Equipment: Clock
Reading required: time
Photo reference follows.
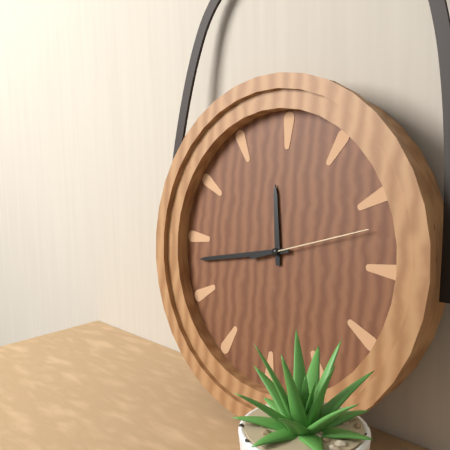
11:43:12
